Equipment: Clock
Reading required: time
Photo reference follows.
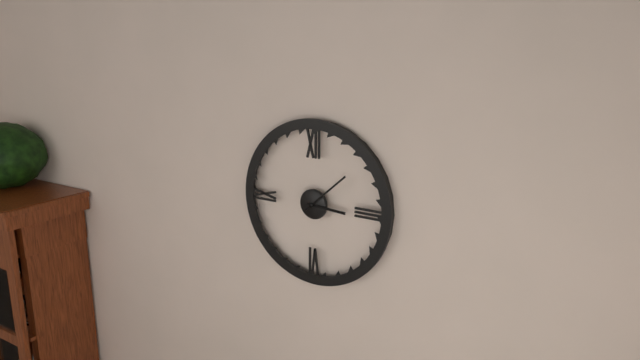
3:08
